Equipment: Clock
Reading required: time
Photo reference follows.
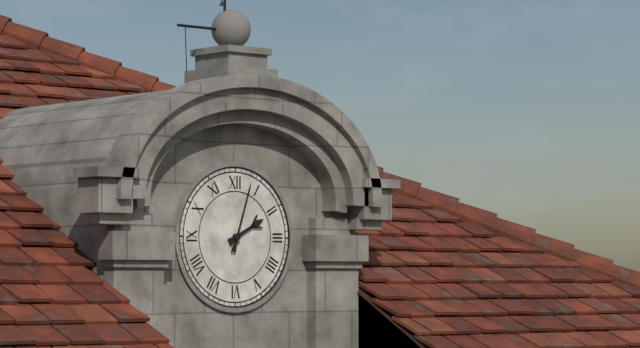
2:03
